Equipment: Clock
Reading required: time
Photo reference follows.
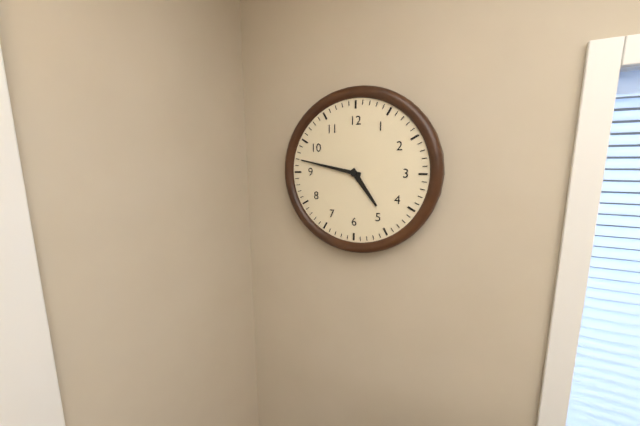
4:47
